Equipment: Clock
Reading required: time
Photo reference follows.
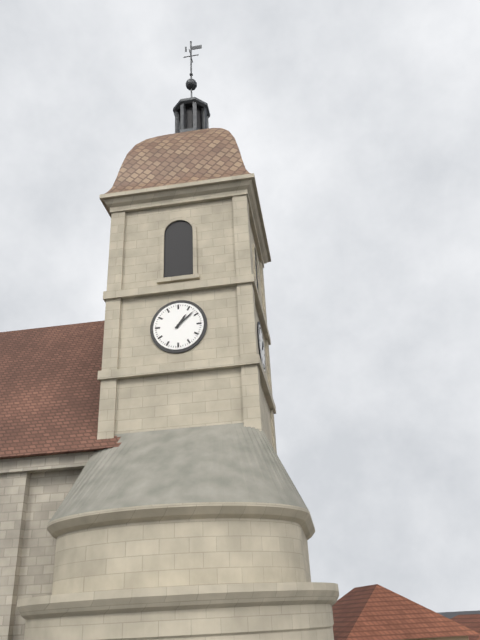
1:08
